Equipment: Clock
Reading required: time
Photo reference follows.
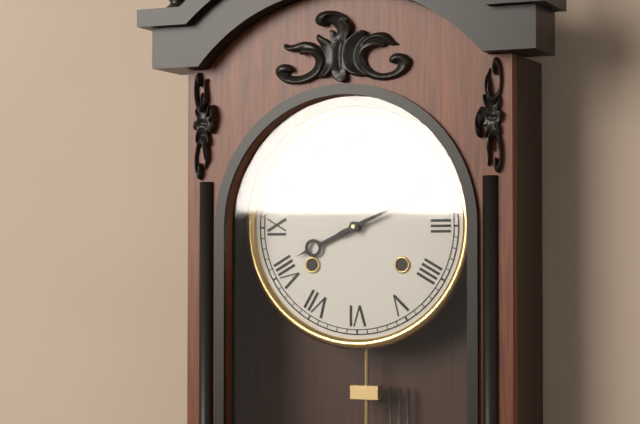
8:11
